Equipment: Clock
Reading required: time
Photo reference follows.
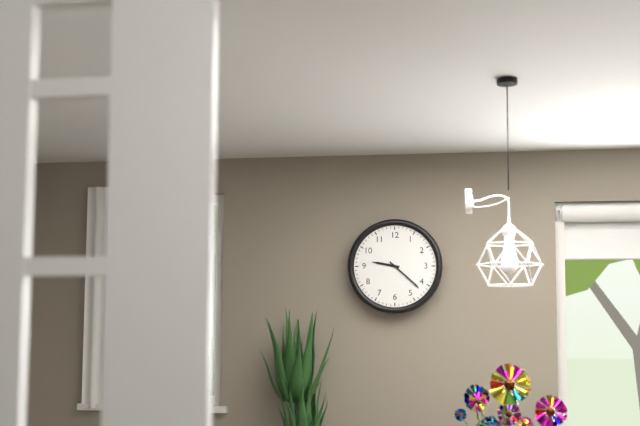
9:22
